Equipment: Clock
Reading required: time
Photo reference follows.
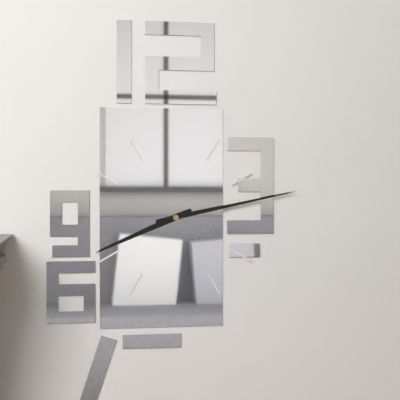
8:13
